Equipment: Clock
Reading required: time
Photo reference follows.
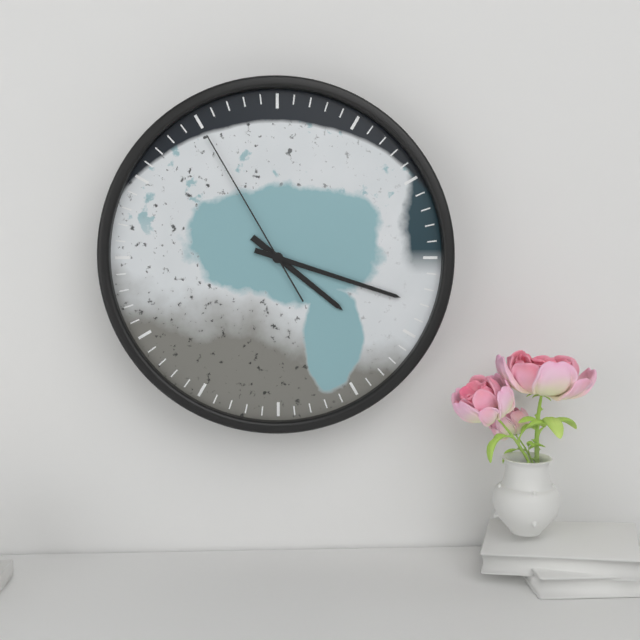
4:18:55
